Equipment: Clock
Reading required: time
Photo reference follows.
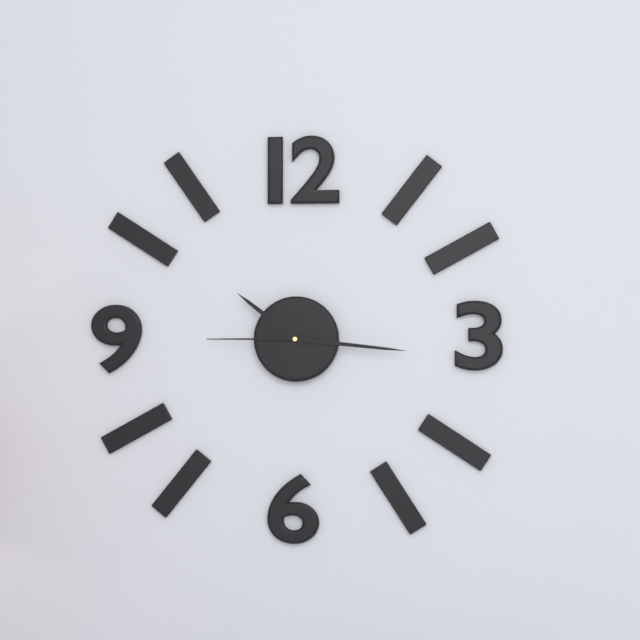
10:16:45
